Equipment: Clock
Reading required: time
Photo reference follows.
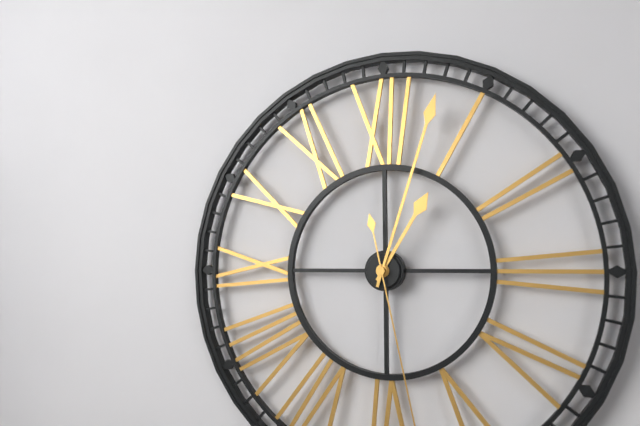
1:03
